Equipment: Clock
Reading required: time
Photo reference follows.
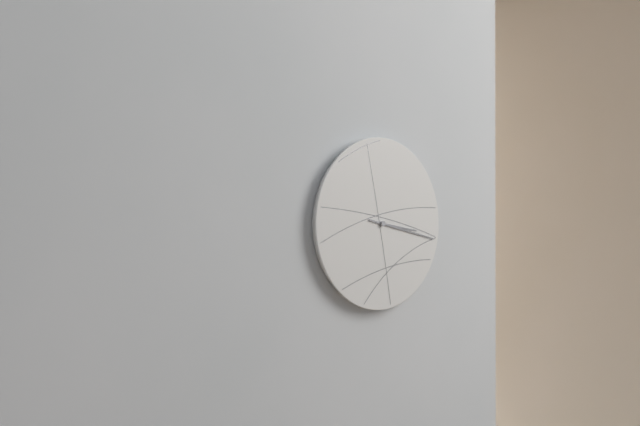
3:17
